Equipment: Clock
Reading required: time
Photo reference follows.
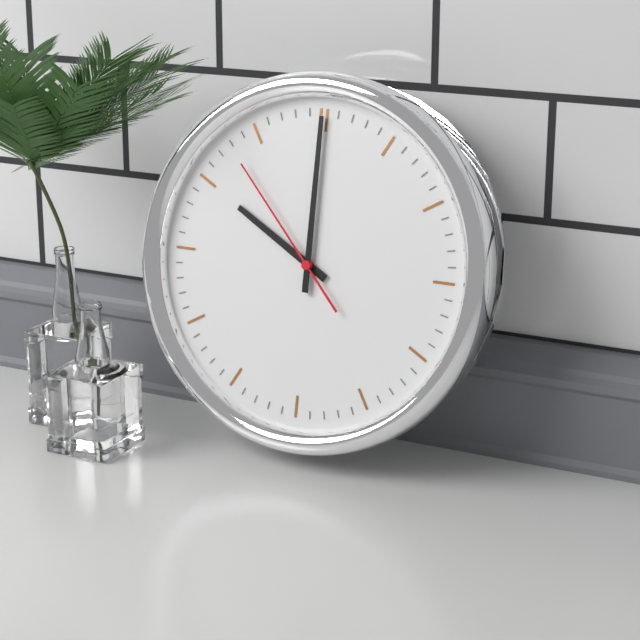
10:00:53
